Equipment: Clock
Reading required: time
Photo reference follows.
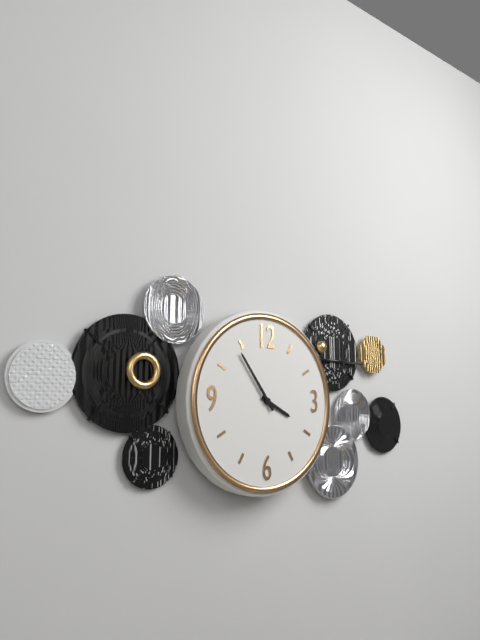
3:54
